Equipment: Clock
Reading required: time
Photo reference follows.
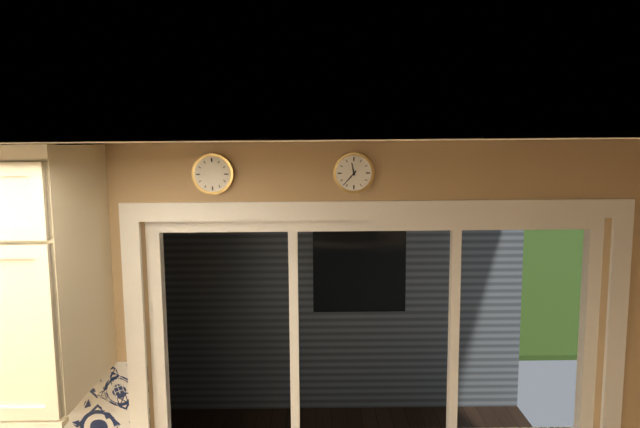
11:37
